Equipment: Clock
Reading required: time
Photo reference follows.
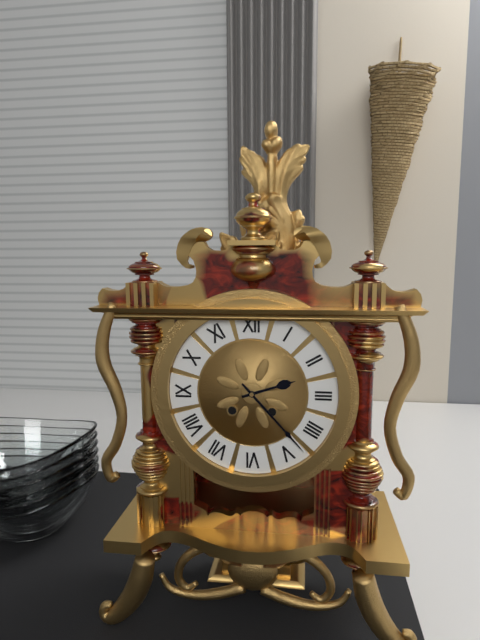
2:23
